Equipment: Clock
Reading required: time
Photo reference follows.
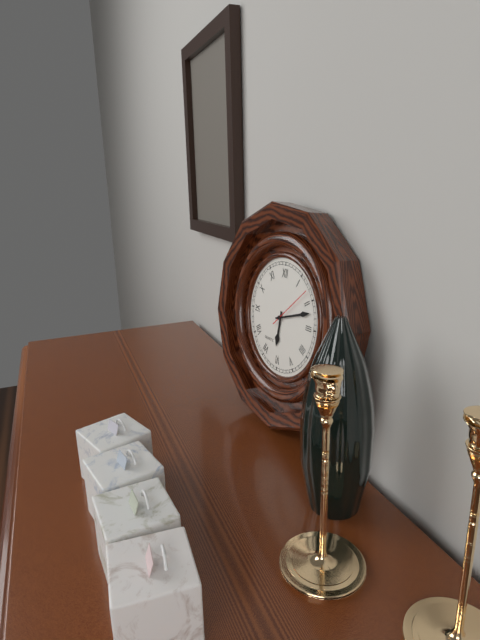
6:12
